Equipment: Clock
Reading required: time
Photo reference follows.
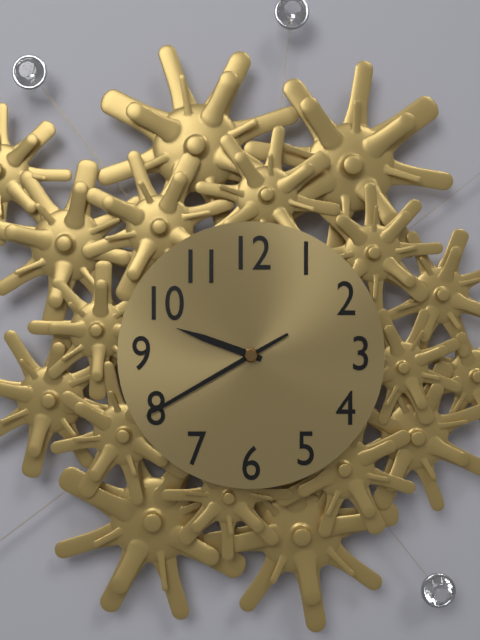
9:40
